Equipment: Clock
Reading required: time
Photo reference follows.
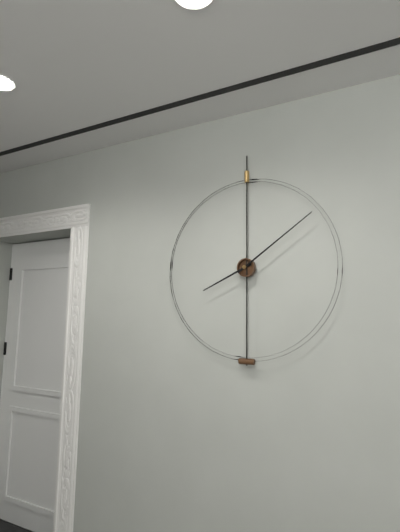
8:09
